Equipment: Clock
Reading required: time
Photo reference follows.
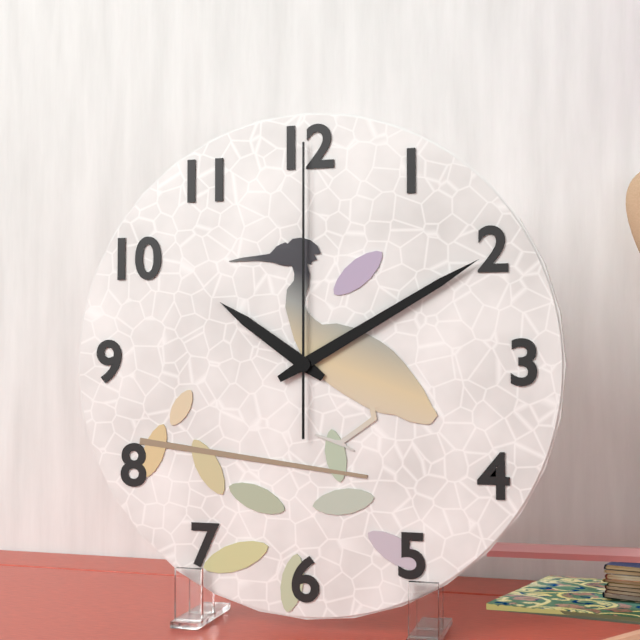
10:10:00
